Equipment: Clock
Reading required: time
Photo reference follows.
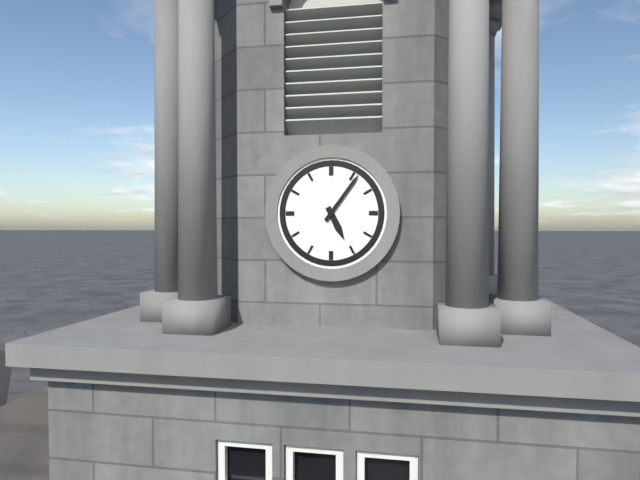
5:06
